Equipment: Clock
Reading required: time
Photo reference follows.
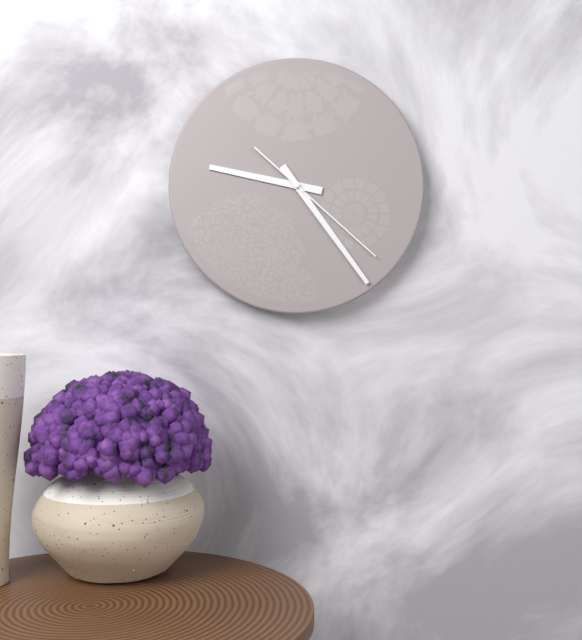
9:24:22
